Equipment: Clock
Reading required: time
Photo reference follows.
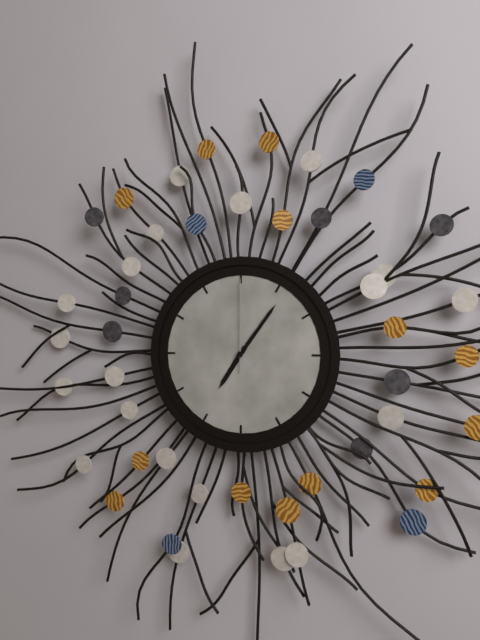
7:06:00
